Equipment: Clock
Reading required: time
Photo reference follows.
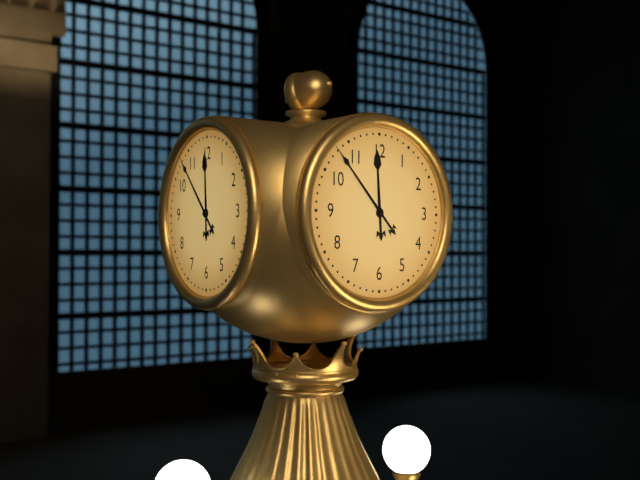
11:53
